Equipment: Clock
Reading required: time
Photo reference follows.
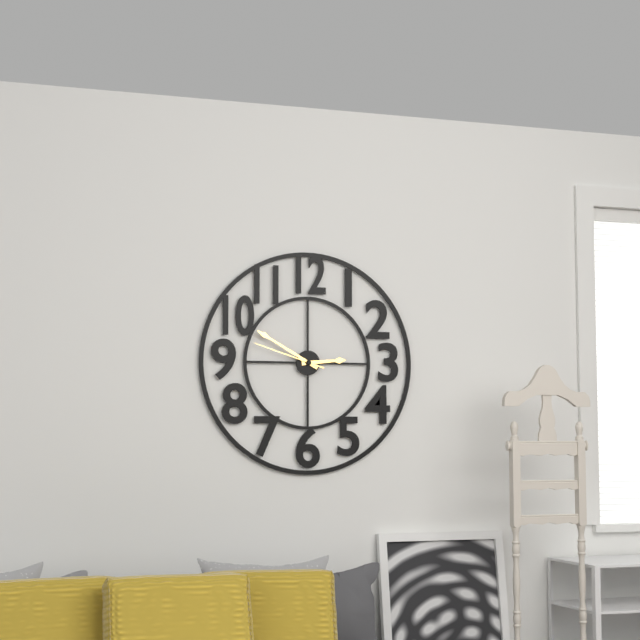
2:50:48
